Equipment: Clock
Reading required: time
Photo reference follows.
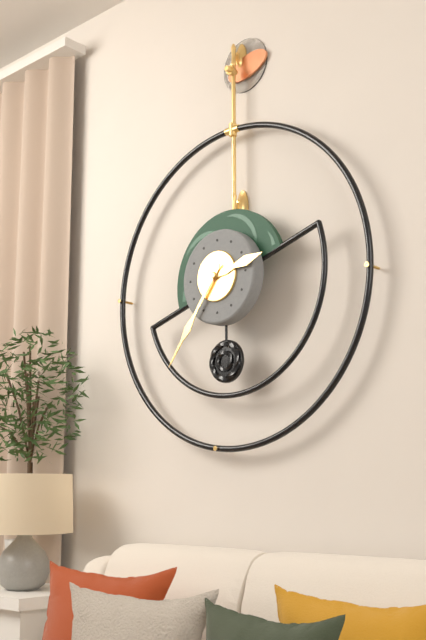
2:36
